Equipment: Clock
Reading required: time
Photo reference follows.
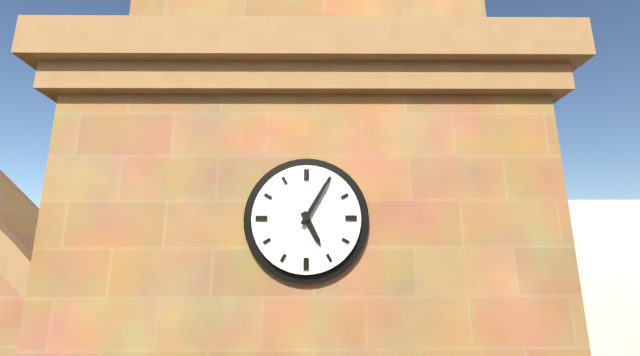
5:05
